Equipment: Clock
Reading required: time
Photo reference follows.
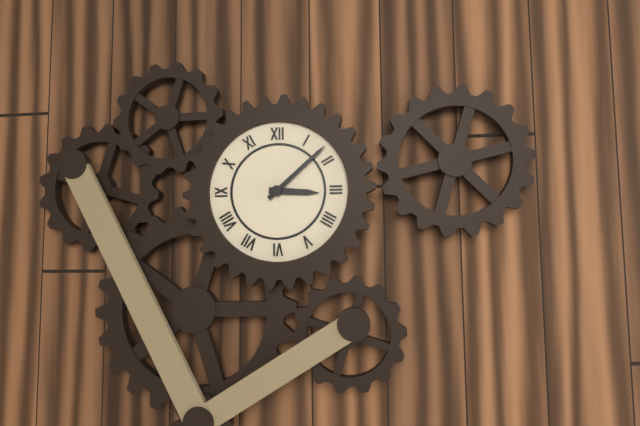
3:08
